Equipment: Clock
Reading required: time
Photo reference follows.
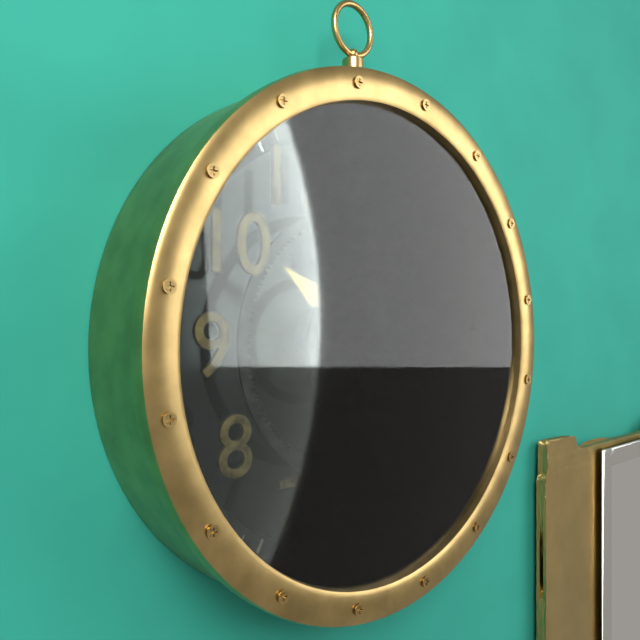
10:08
